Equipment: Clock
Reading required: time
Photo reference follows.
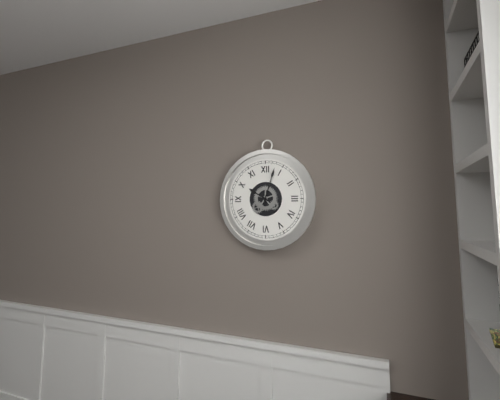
10:03
